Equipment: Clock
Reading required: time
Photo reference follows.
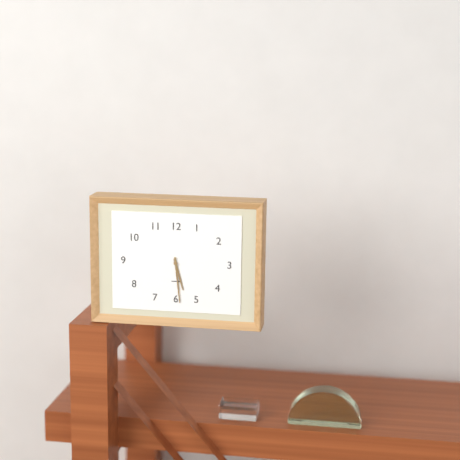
5:29
